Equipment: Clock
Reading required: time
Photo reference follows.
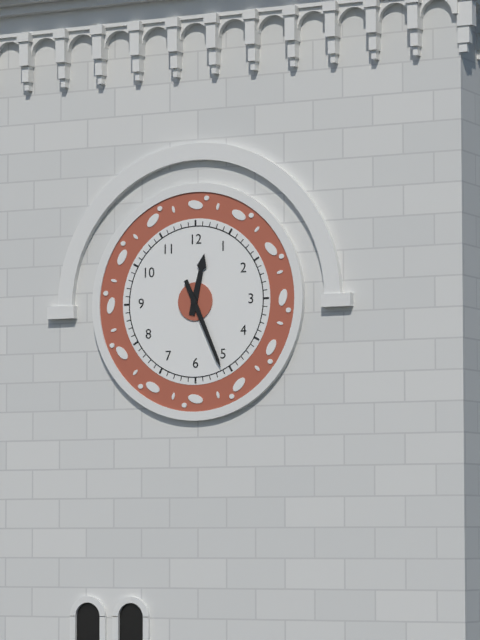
12:26
